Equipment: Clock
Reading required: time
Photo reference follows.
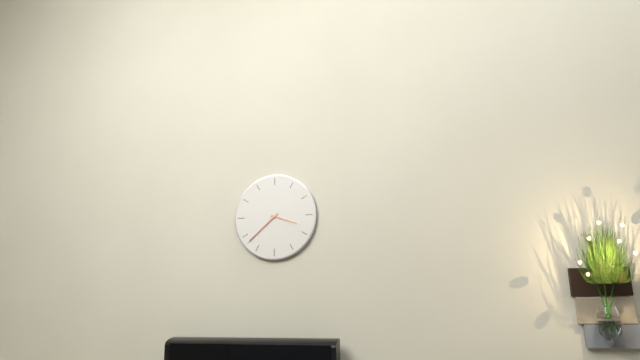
3:38
